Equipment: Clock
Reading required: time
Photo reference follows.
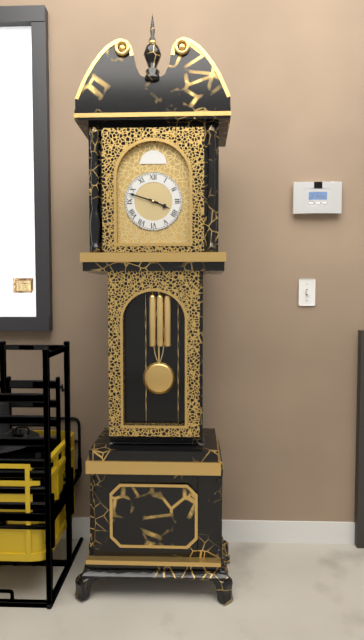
3:48
